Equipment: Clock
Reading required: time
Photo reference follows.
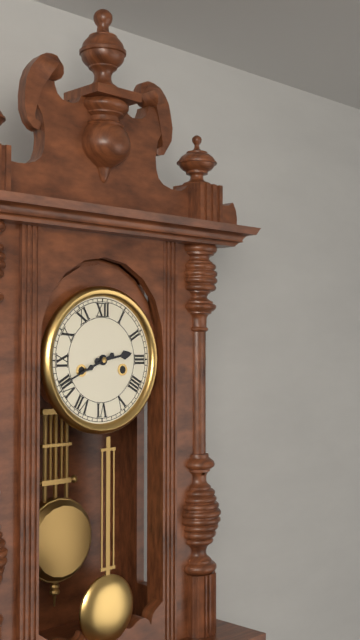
2:41
